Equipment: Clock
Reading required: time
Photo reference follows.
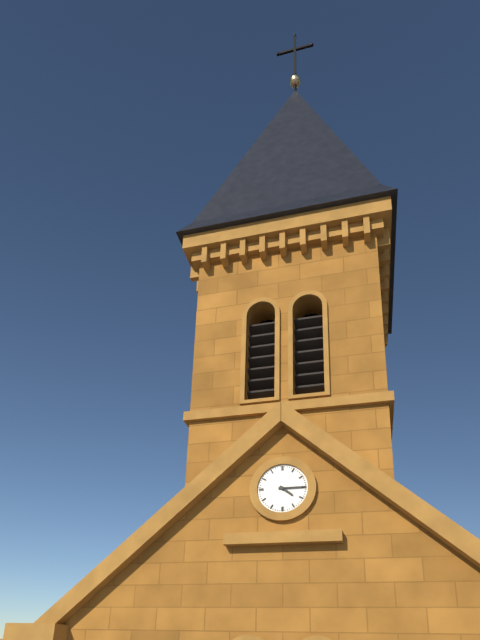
4:15
